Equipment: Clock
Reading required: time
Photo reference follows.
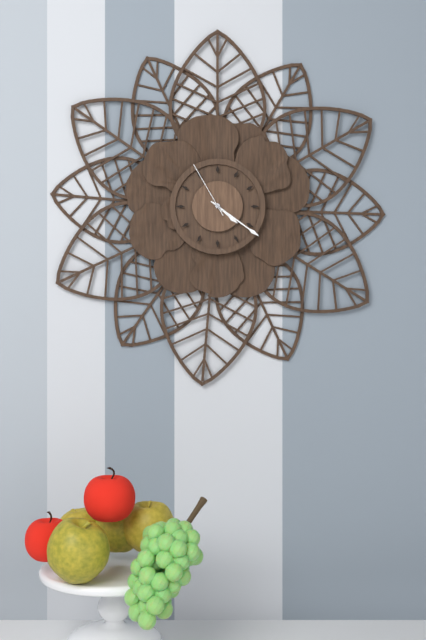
4:21:55
